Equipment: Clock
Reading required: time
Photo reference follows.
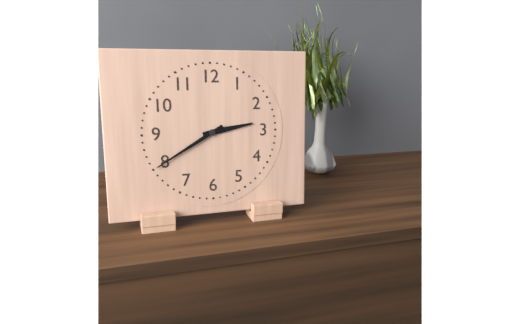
2:40
